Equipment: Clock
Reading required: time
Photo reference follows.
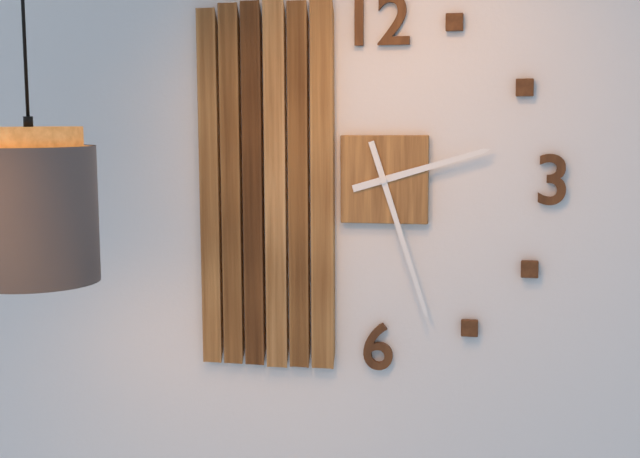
2:27
